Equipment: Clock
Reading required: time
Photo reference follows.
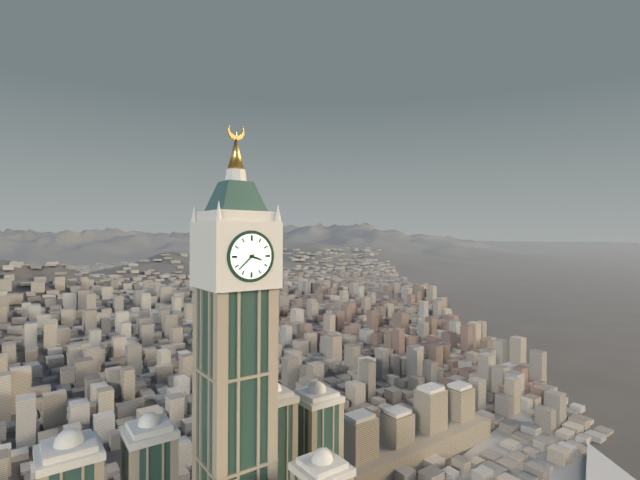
3:38
